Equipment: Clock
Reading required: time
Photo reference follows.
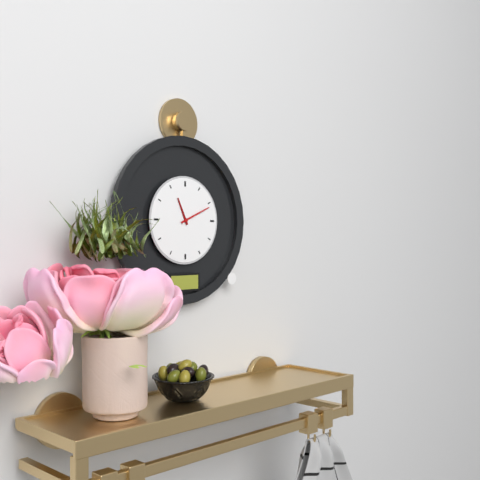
11:11
